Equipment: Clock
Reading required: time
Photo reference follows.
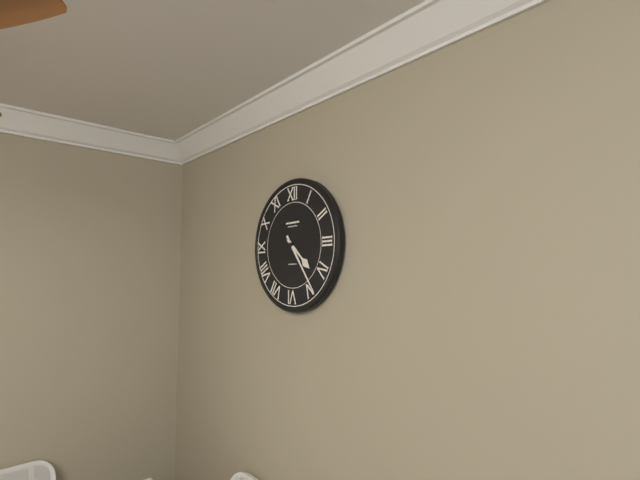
4:24
